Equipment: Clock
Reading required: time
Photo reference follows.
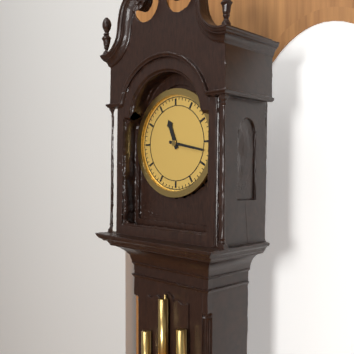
11:17
